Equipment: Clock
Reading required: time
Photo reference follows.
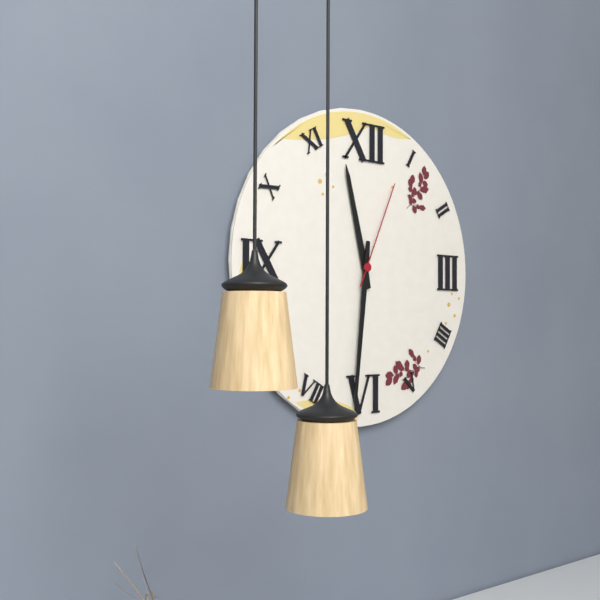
11:31:04
